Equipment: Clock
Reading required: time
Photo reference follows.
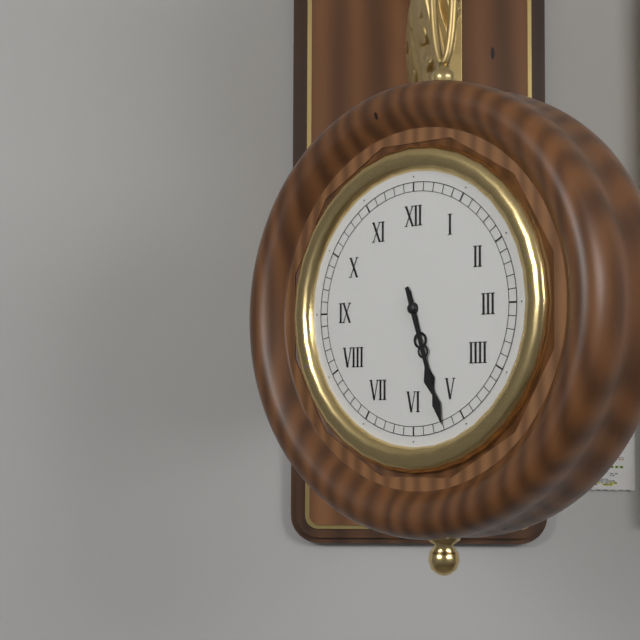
5:27
